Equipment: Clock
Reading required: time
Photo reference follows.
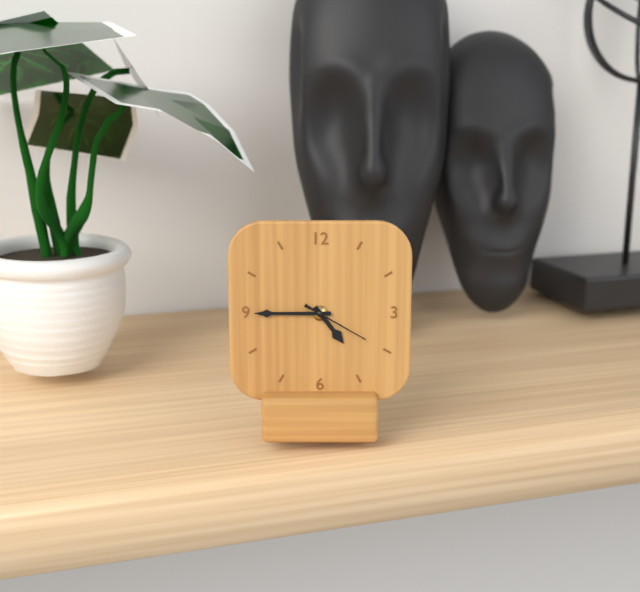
4:45:20
